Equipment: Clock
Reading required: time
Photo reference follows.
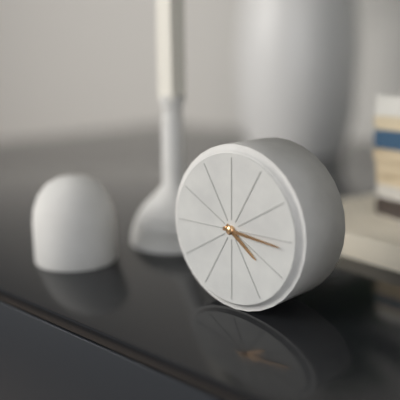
4:16
